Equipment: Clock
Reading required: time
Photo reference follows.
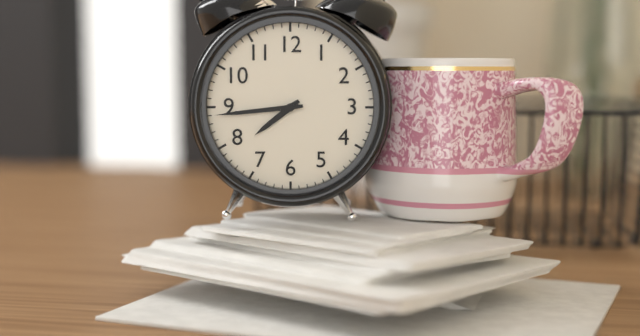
7:44
